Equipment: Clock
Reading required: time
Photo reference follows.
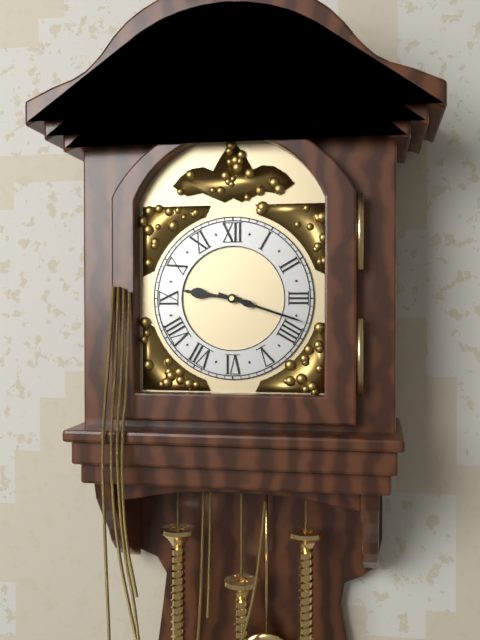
9:18
